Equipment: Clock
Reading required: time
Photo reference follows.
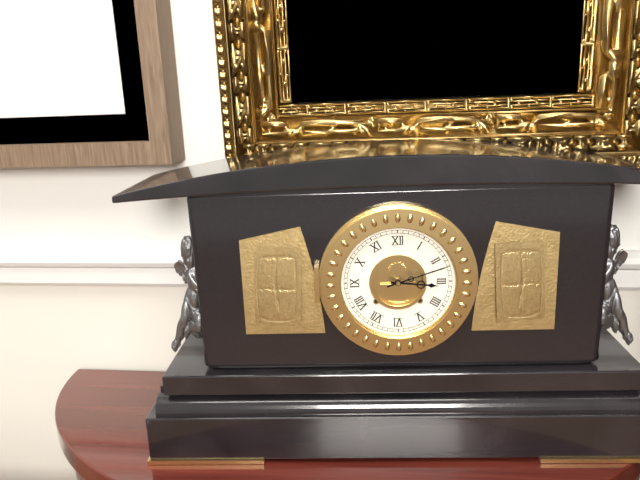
3:12
